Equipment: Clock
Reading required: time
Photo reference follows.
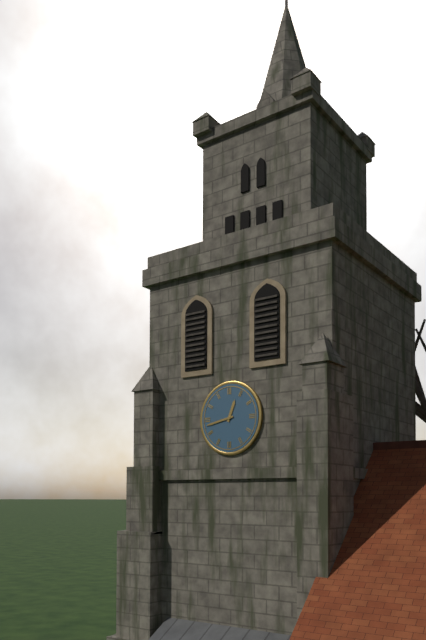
12:43
